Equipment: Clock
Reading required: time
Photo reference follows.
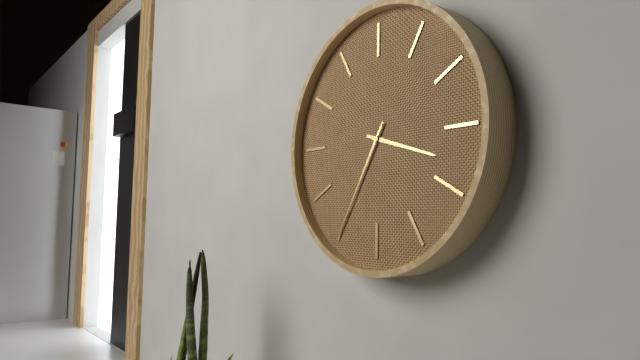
3:35
